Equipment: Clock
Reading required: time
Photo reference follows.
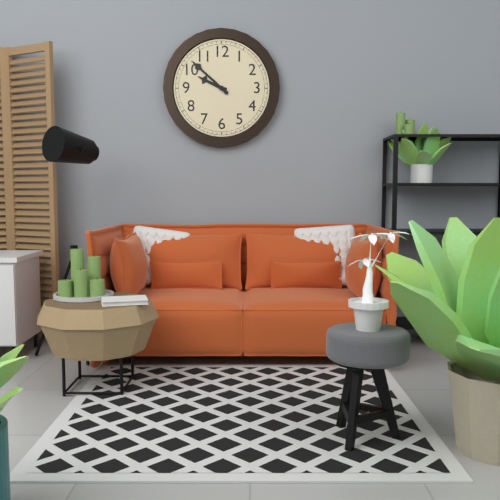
9:52
